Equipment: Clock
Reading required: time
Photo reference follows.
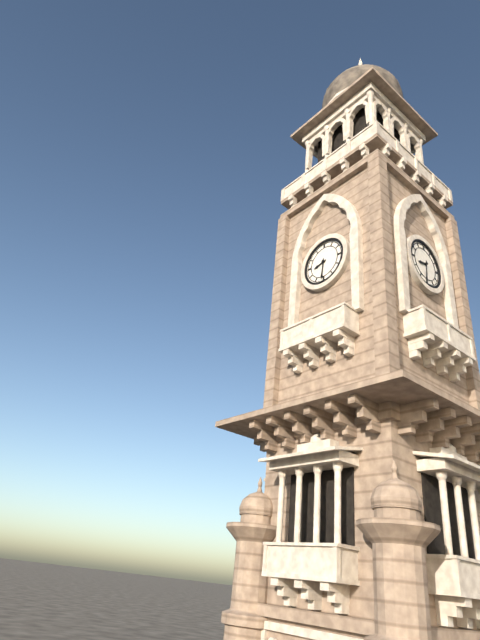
8:31
